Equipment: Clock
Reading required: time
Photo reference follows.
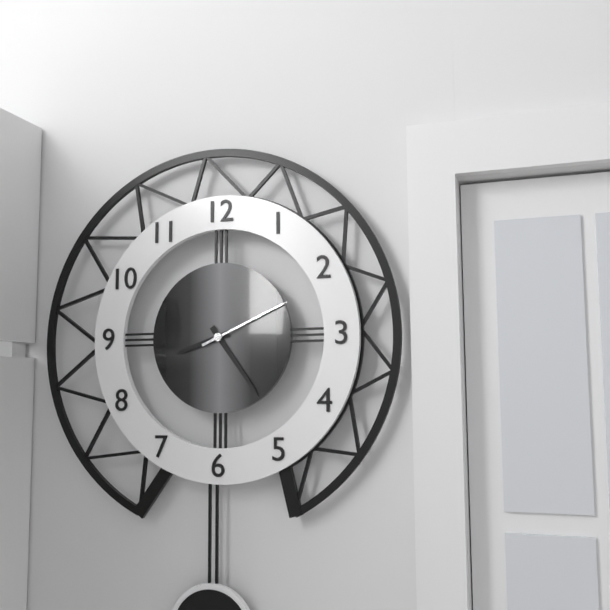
8:24:11
